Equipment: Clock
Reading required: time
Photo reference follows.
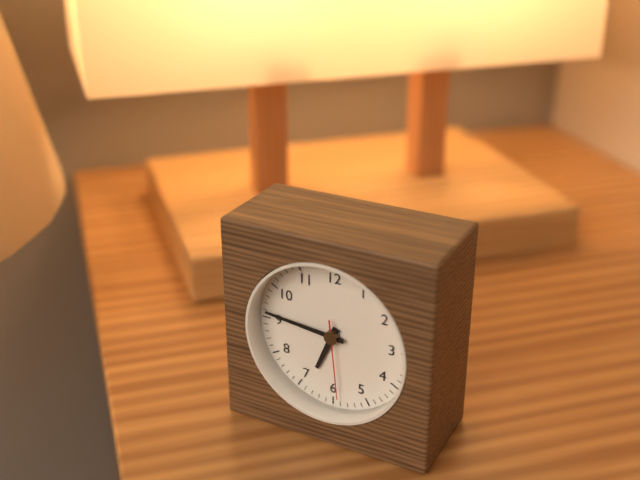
6:46:29
